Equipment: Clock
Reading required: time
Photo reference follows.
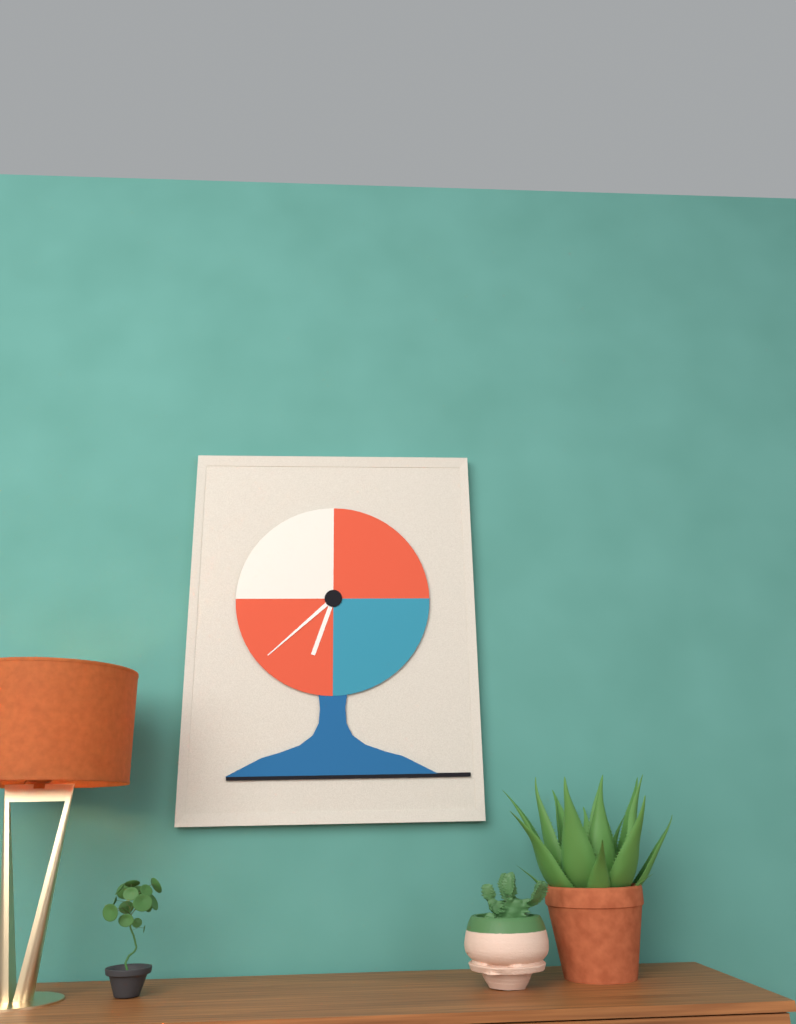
6:38
